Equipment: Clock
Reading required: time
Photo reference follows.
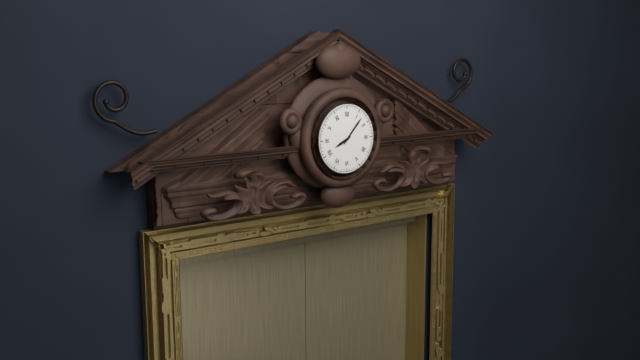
8:07
